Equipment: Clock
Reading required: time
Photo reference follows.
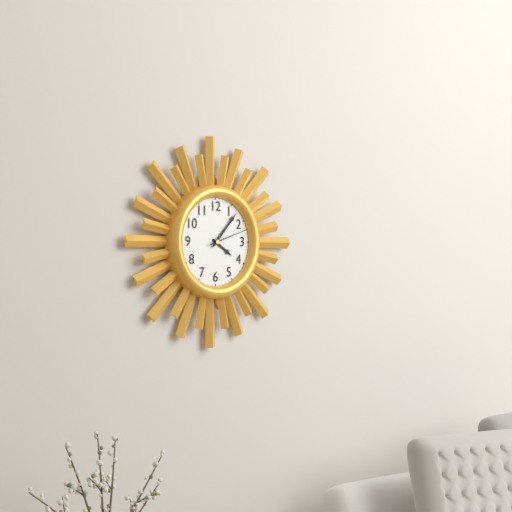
4:07
